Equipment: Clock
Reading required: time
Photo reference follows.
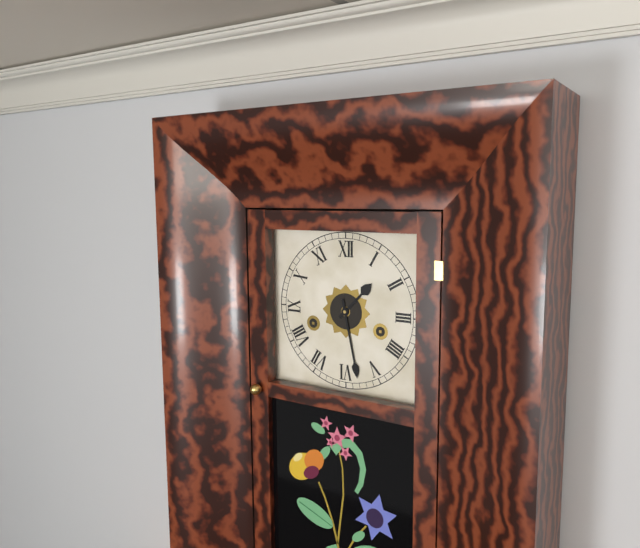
1:28
